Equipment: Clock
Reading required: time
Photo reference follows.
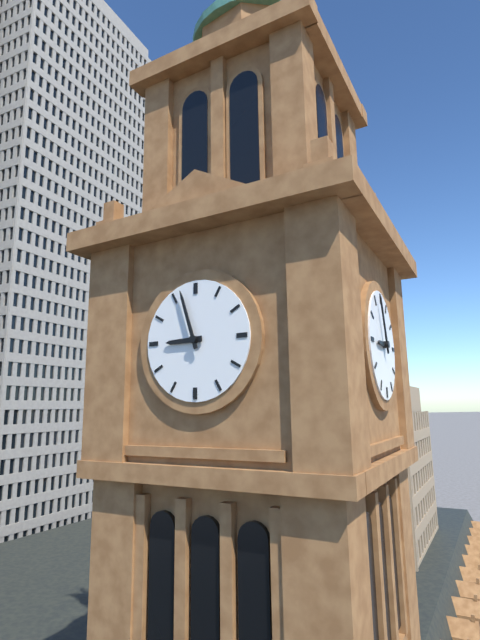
8:57
